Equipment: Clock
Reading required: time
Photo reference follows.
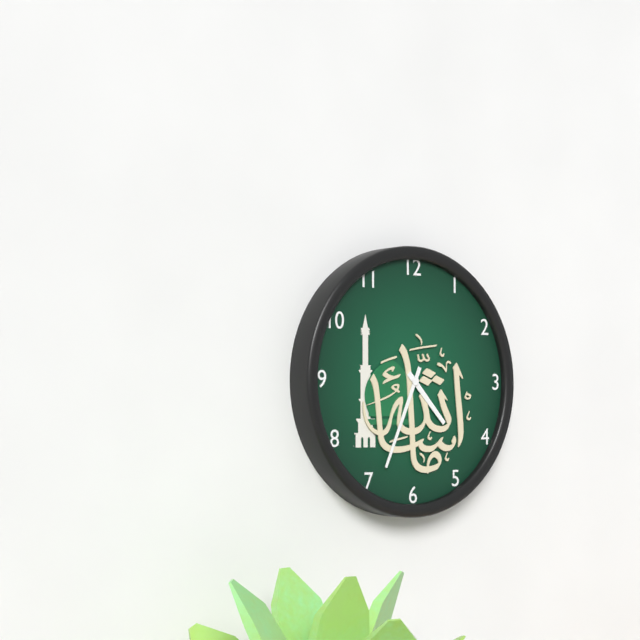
4:34
